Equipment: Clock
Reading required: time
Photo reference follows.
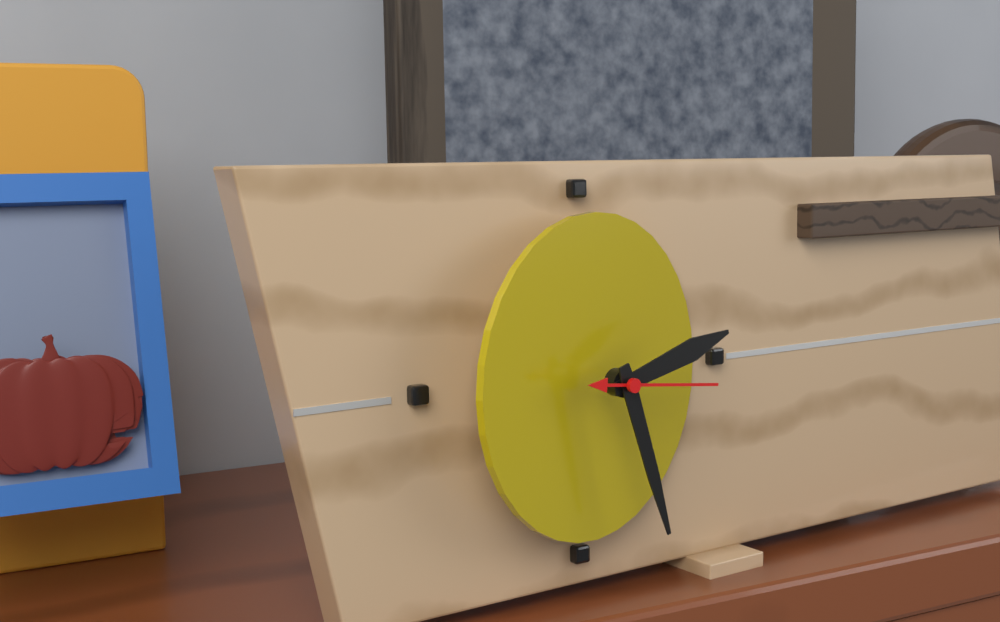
2:27:16
